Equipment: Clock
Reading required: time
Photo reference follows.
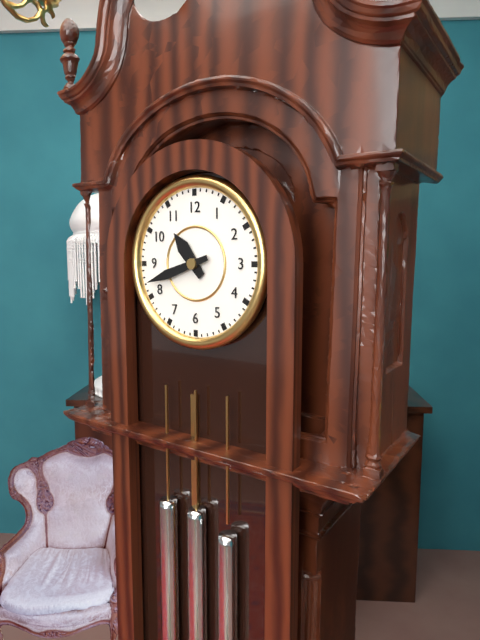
10:42
